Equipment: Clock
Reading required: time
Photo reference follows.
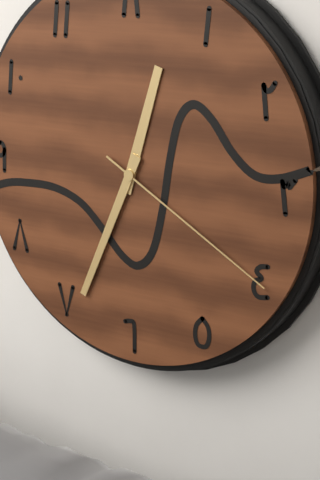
12:34:20
